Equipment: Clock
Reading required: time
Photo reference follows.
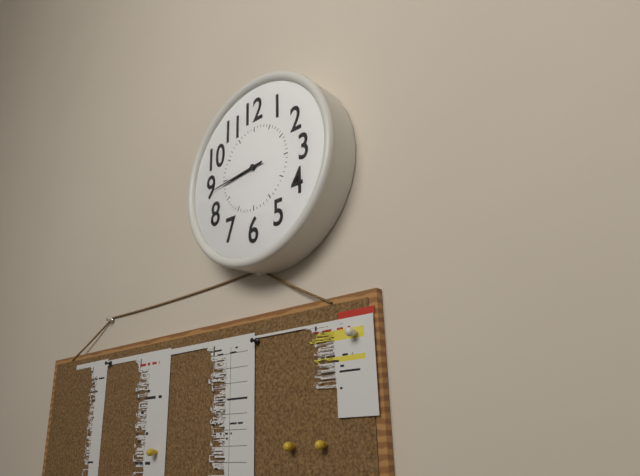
8:44
